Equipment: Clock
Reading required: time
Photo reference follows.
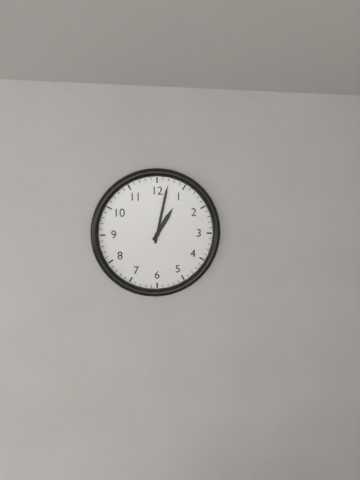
1:02
